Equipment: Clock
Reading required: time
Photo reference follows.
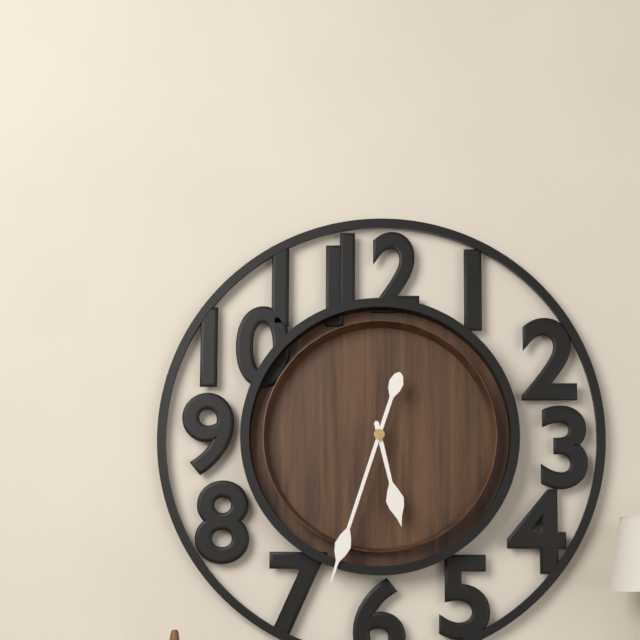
5:33
